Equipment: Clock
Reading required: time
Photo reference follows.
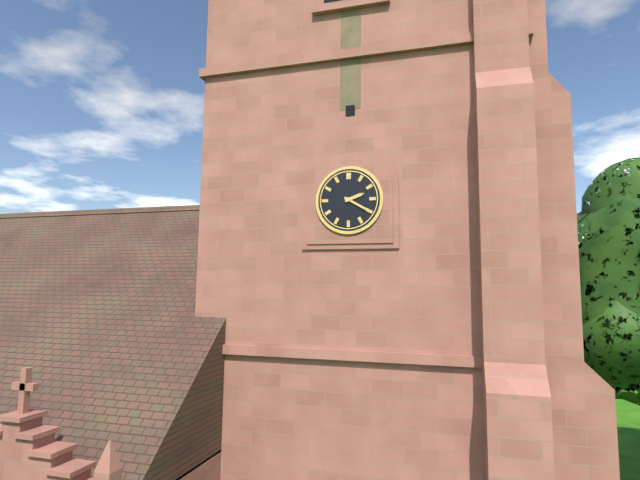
2:20
